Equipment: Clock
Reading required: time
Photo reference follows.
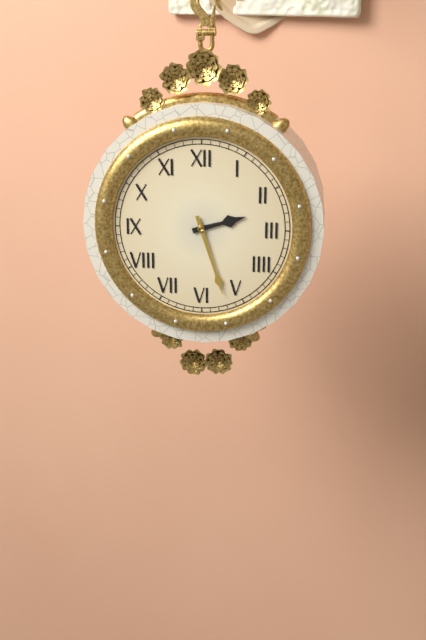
2:27
